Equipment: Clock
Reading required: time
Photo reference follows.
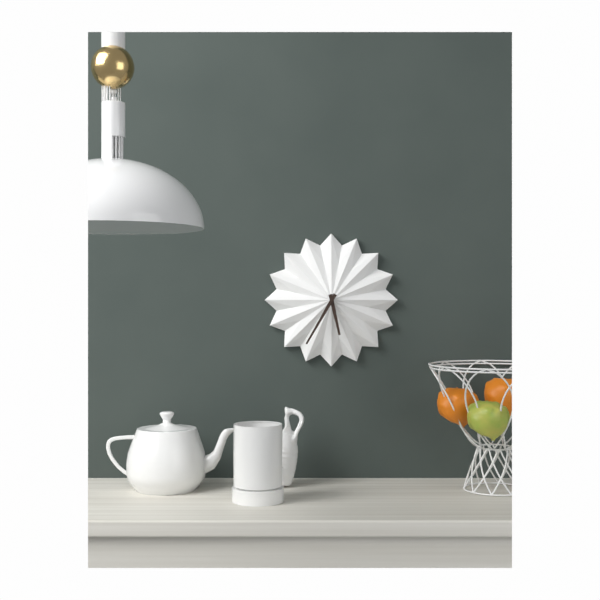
5:35
